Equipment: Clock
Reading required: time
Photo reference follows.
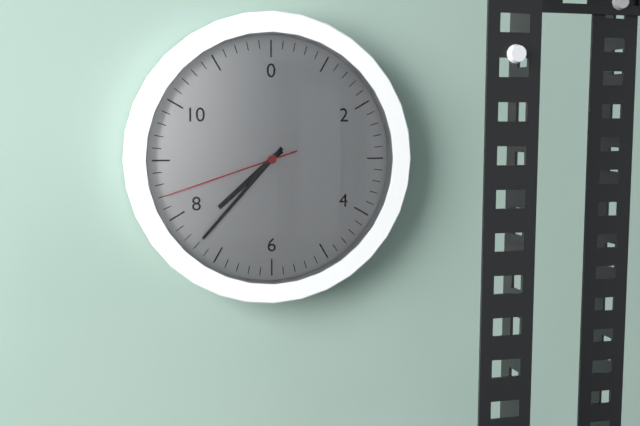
7:37:42
